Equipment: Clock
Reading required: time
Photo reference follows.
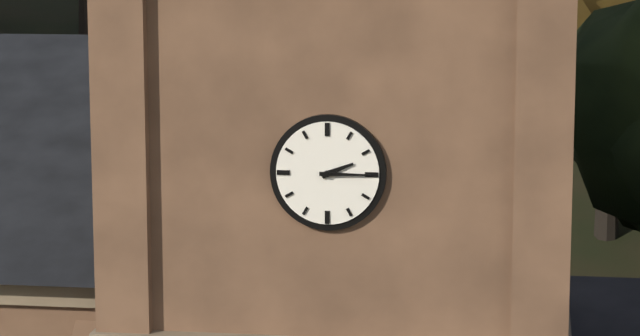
2:15
